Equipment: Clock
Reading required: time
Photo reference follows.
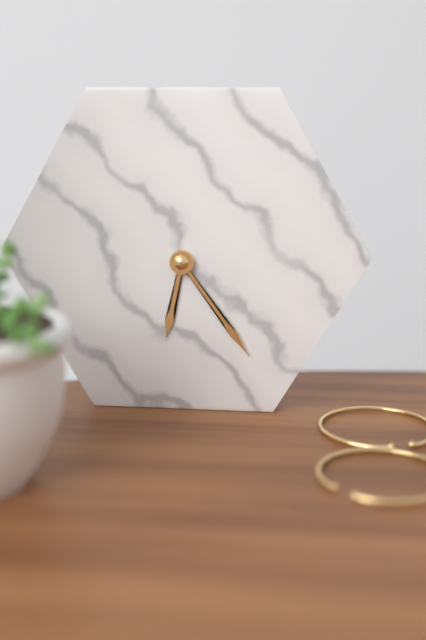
6:24
